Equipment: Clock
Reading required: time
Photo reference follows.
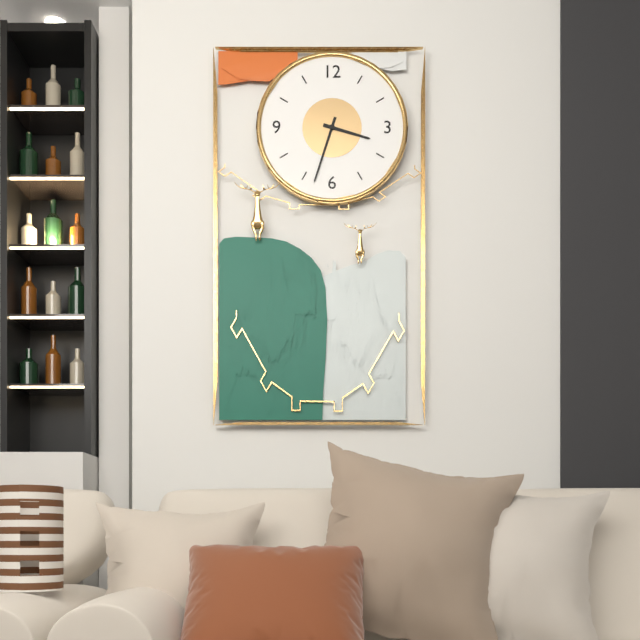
3:33
